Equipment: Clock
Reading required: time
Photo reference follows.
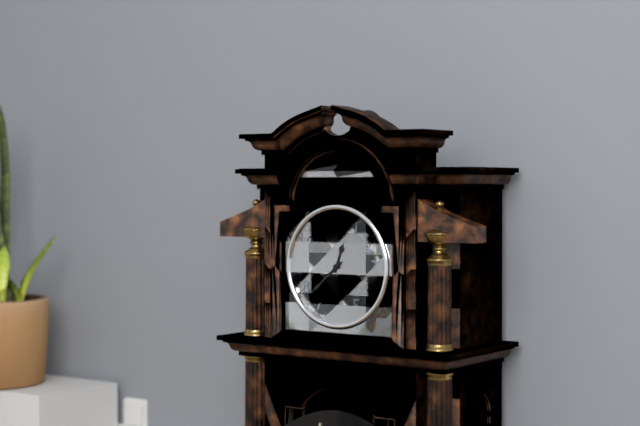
12:38
